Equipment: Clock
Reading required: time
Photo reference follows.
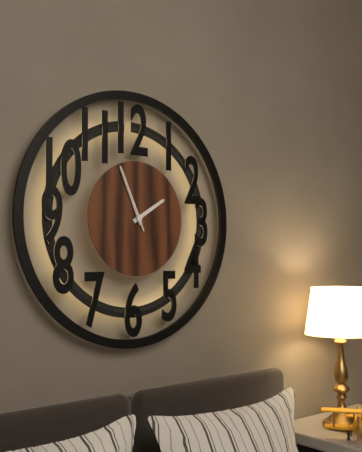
1:56:56
